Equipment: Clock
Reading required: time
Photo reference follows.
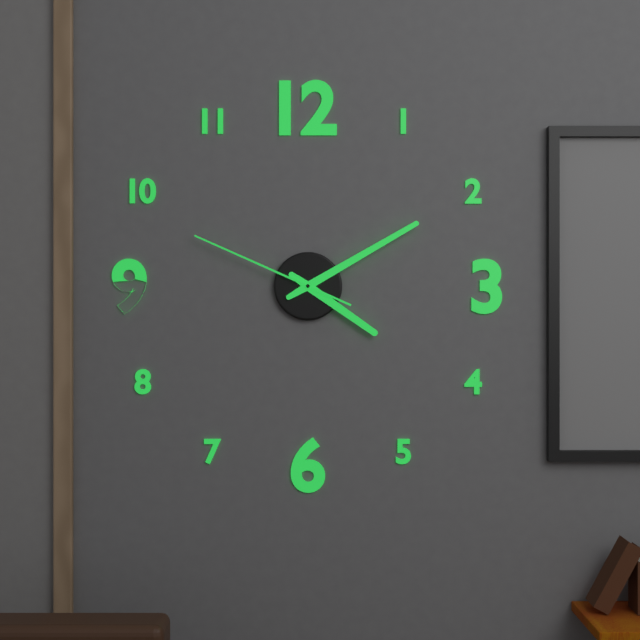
4:10:49
